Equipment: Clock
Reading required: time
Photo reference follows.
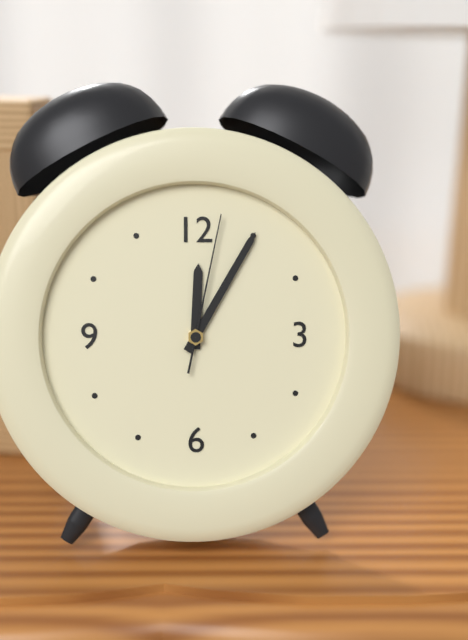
12:05:02
